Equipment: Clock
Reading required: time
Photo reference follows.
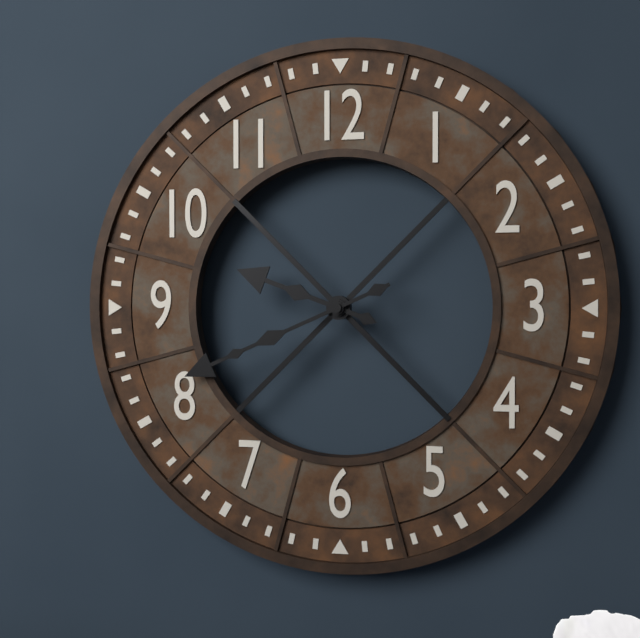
9:41
